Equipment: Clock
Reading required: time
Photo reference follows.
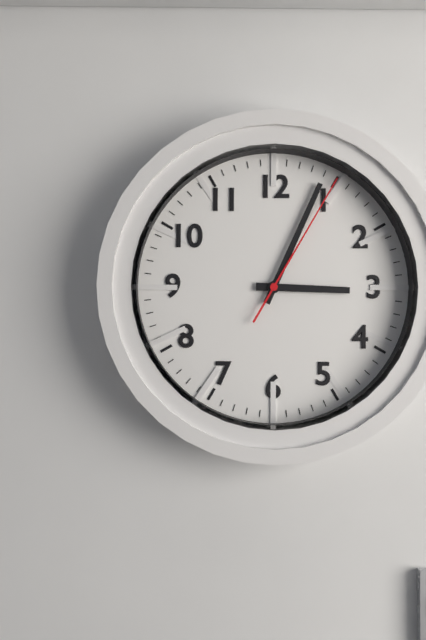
3:04:05
